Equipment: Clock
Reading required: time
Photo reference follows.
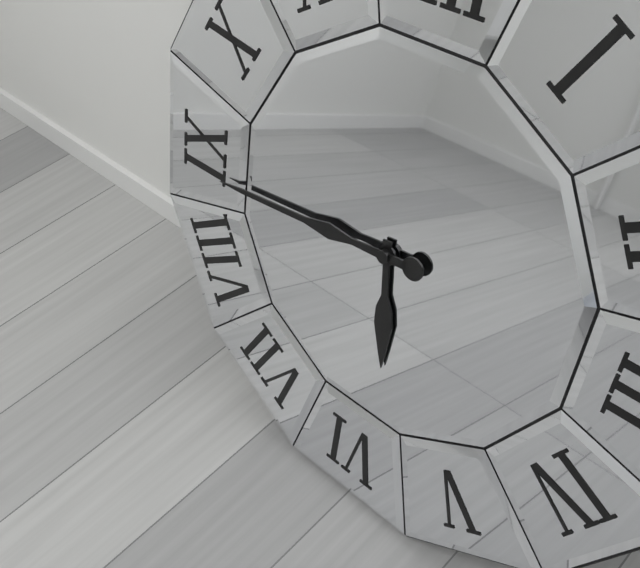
5:44
